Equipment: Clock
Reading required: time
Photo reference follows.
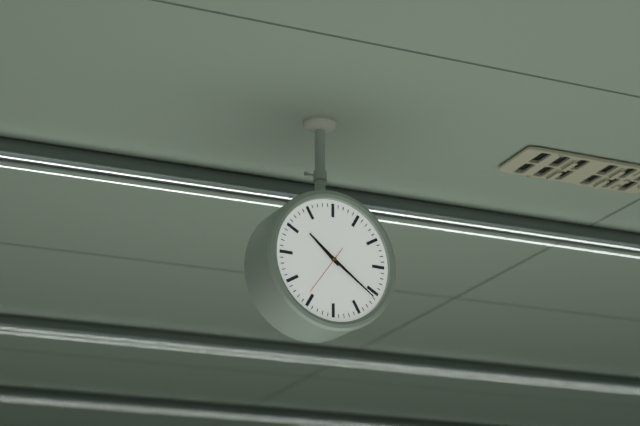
10:21
